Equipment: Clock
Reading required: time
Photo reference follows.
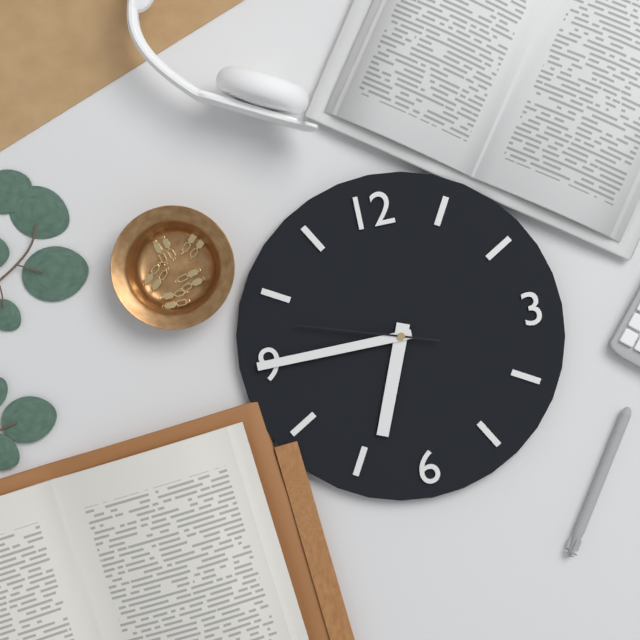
6:45:48
